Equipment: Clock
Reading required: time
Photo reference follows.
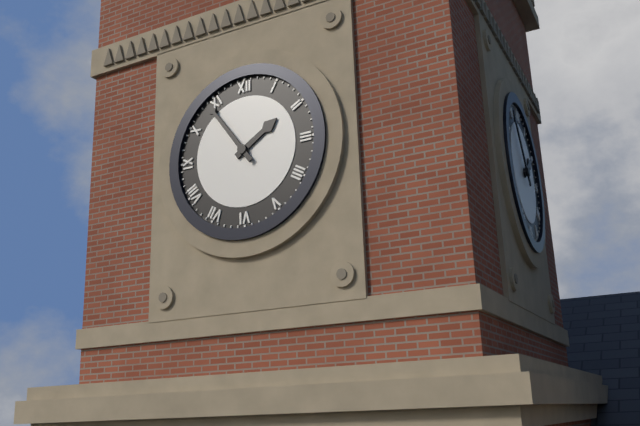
1:54
